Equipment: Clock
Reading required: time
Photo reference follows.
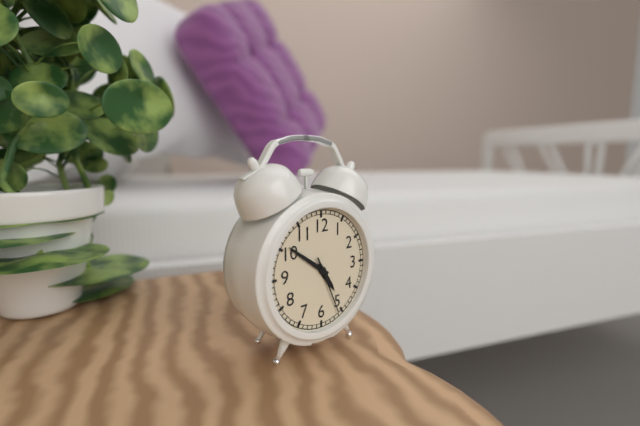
4:51:26
